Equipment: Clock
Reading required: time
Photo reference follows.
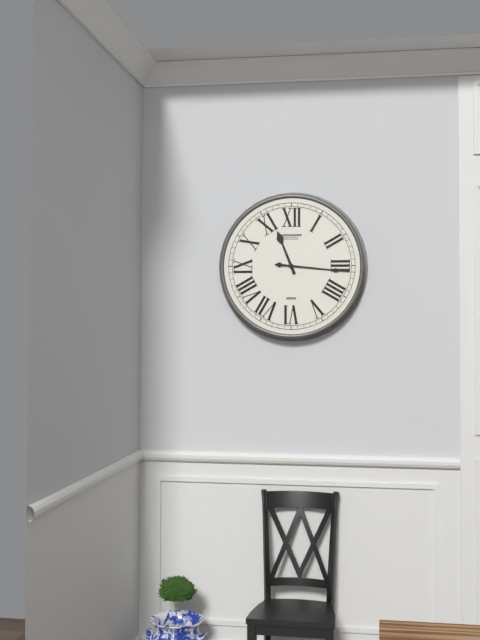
11:16
